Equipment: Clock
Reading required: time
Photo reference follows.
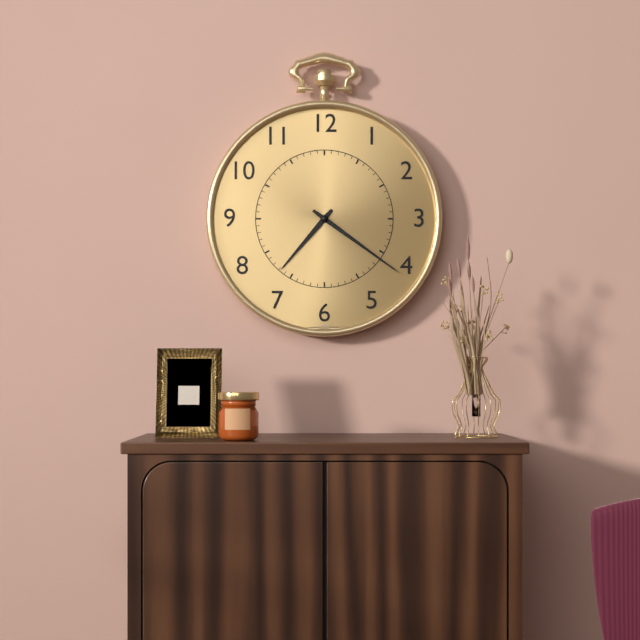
7:21
